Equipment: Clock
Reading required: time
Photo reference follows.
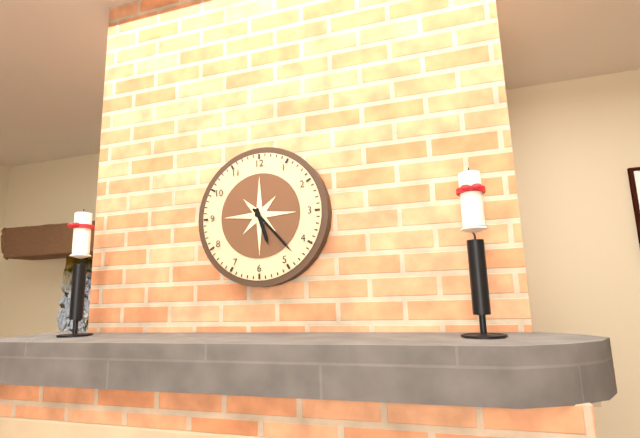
5:23
